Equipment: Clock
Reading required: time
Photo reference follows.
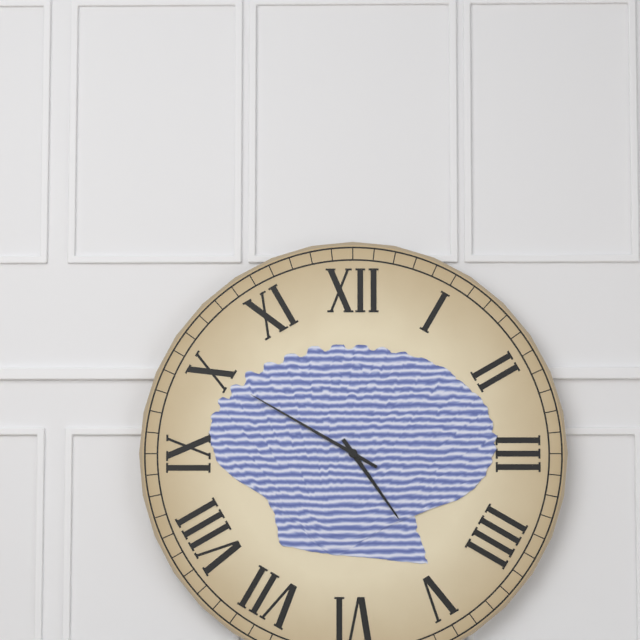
4:50
